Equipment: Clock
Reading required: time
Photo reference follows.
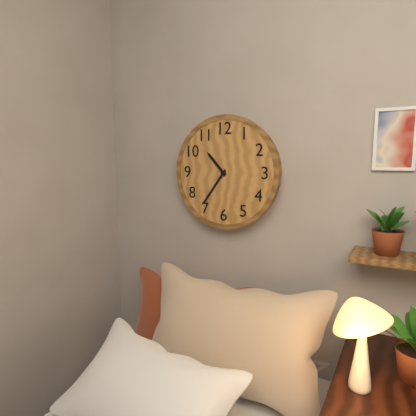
10:36
